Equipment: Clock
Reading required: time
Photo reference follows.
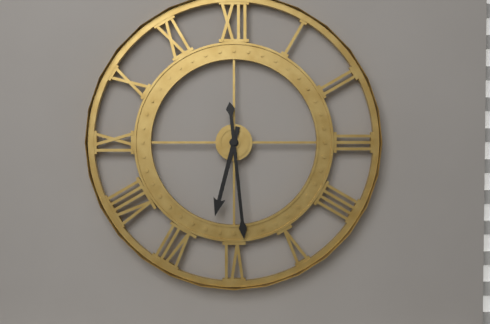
6:29
